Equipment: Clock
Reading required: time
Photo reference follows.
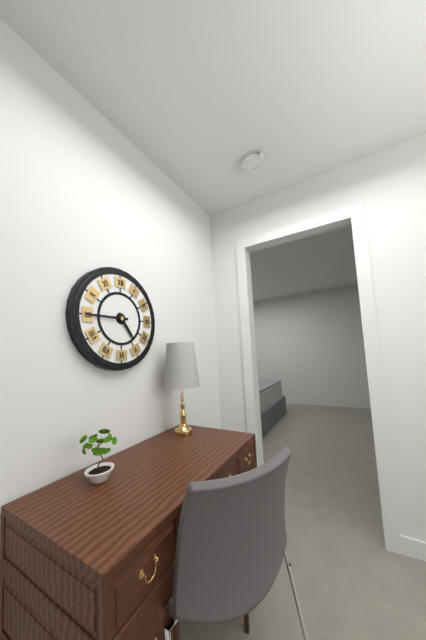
4:45
